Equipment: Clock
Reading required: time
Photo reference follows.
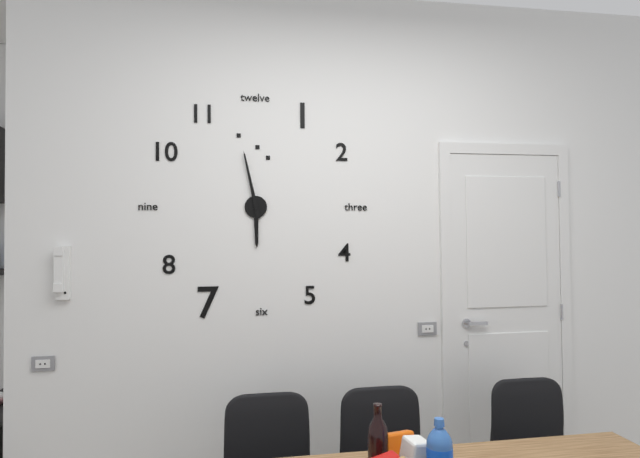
5:58
